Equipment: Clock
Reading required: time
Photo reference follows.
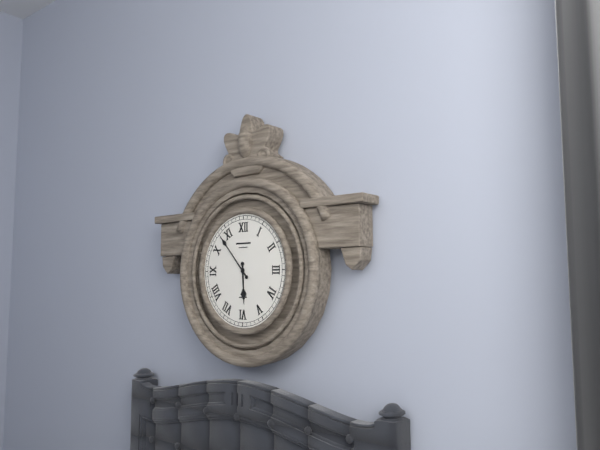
5:53
